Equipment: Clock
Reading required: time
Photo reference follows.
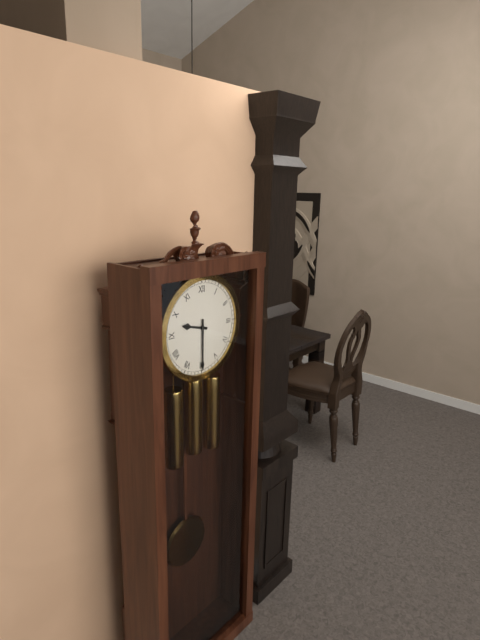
9:30
